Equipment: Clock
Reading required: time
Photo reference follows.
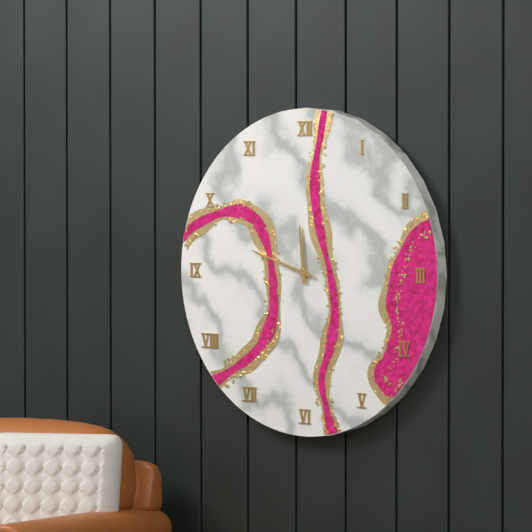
11:48
